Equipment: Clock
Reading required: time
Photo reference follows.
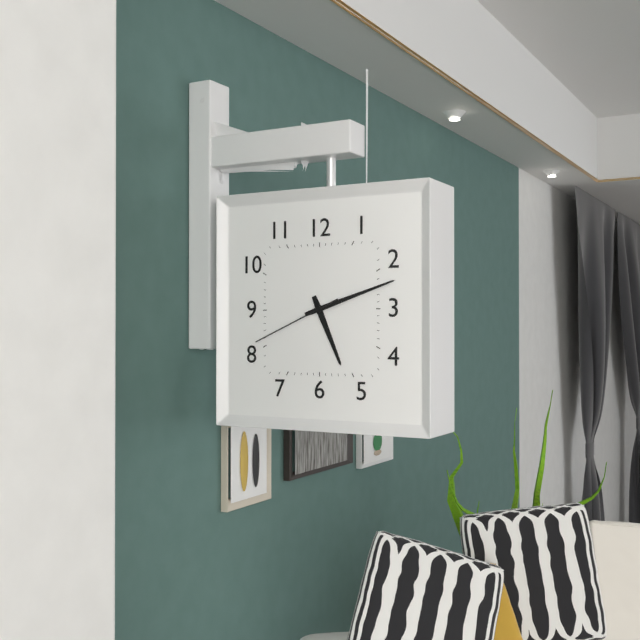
5:12:41
